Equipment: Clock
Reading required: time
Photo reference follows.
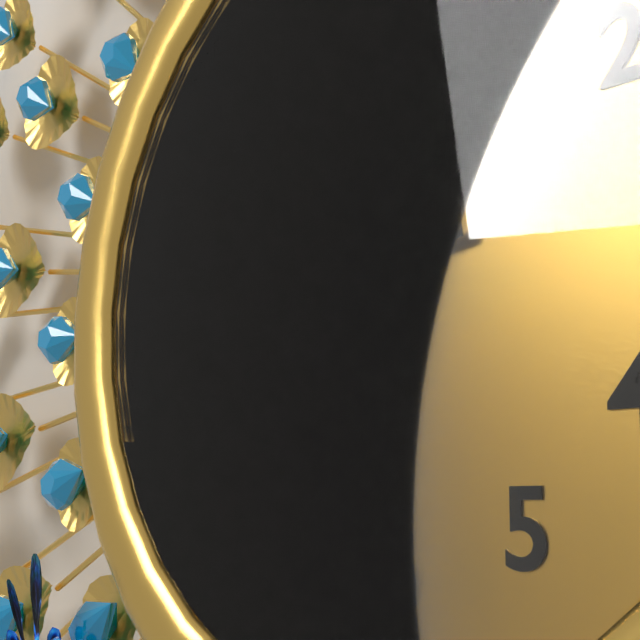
10:39:43
